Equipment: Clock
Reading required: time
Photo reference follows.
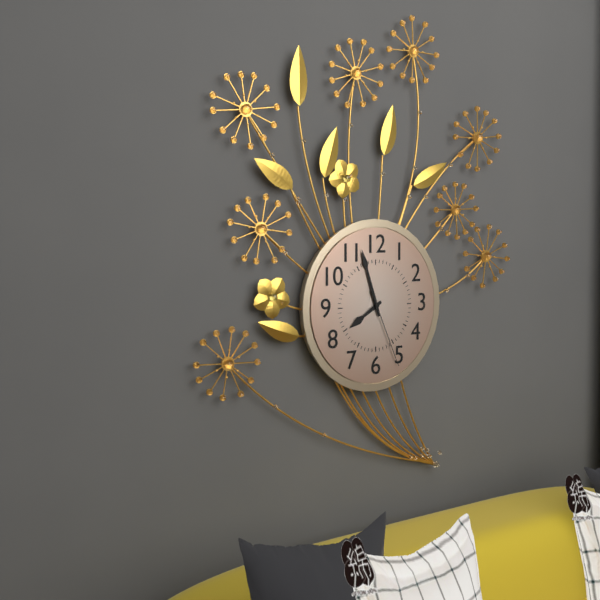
7:57:26
